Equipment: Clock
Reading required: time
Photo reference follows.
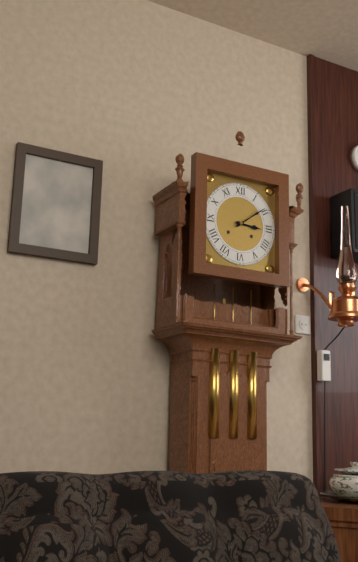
3:09
